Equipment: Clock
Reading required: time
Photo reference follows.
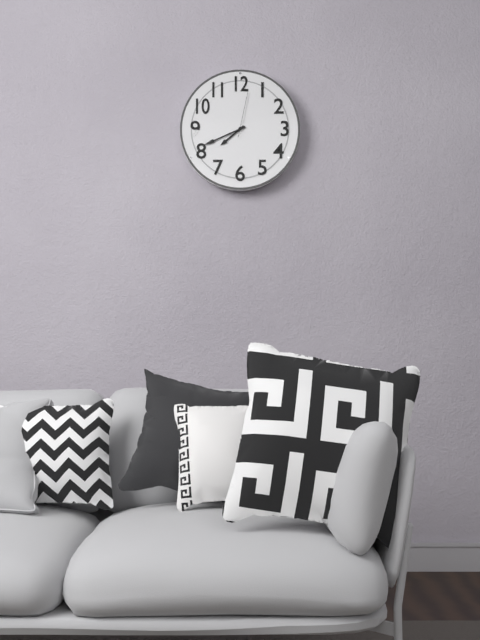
7:41
